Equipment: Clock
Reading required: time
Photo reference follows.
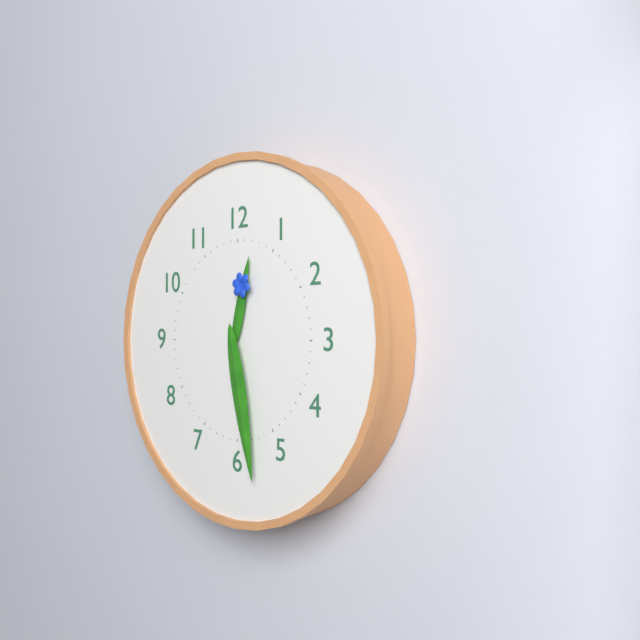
12:28
